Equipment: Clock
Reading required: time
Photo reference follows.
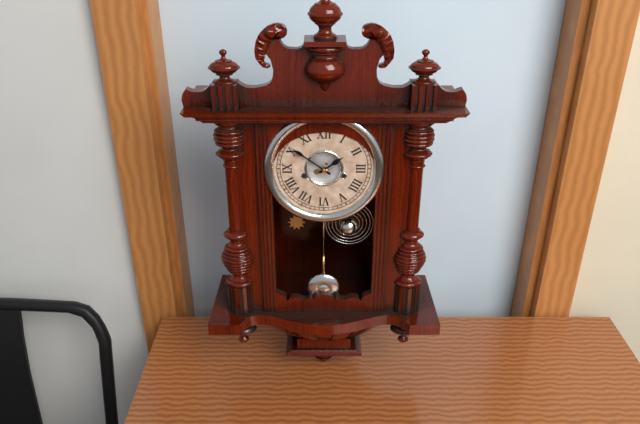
1:51
